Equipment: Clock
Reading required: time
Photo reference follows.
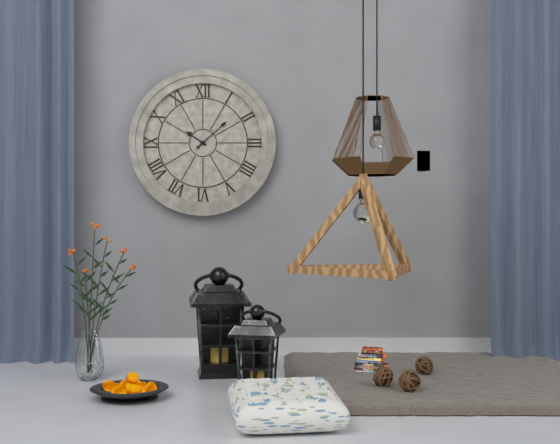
10:08
